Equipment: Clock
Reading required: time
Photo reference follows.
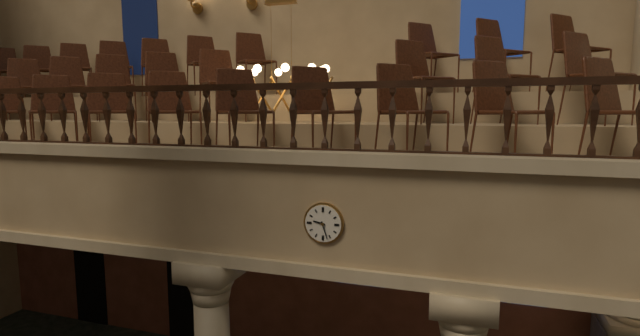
9:27
